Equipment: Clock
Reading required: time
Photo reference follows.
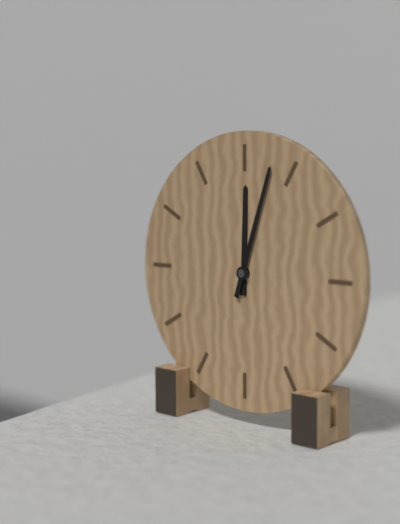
12:03
